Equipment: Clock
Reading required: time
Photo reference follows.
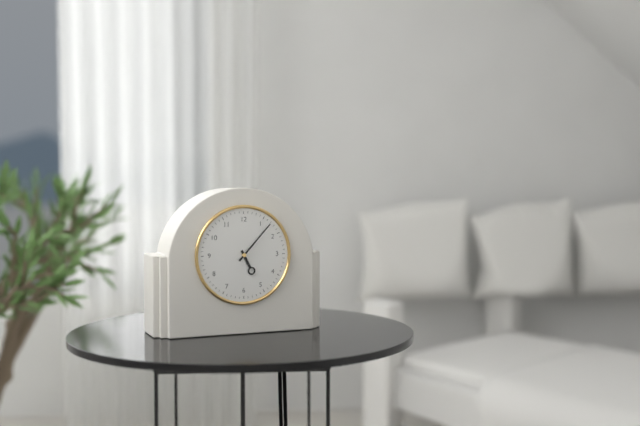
5:07
